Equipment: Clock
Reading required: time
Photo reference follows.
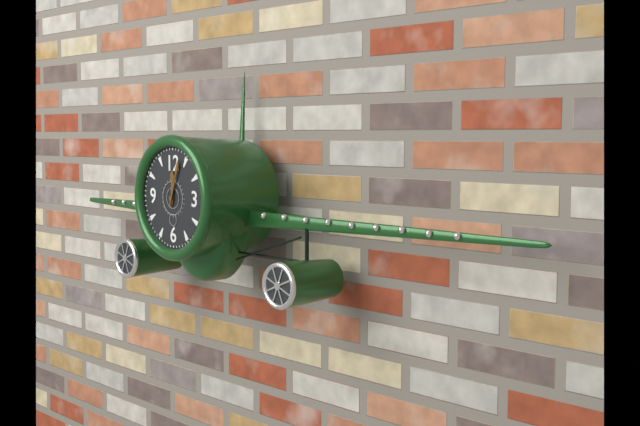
12:03
